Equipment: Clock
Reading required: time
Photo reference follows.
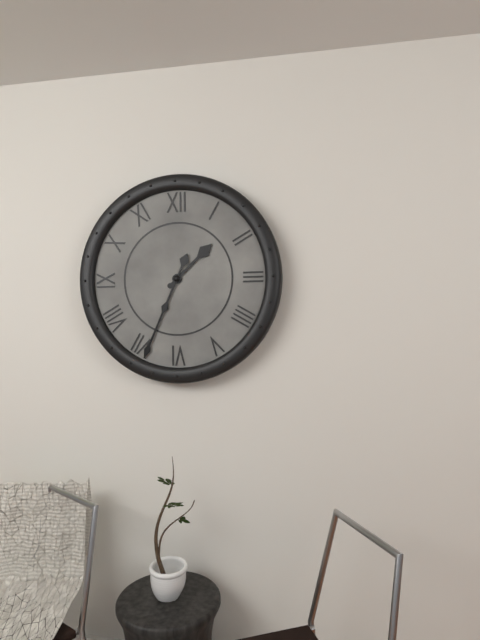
1:34
